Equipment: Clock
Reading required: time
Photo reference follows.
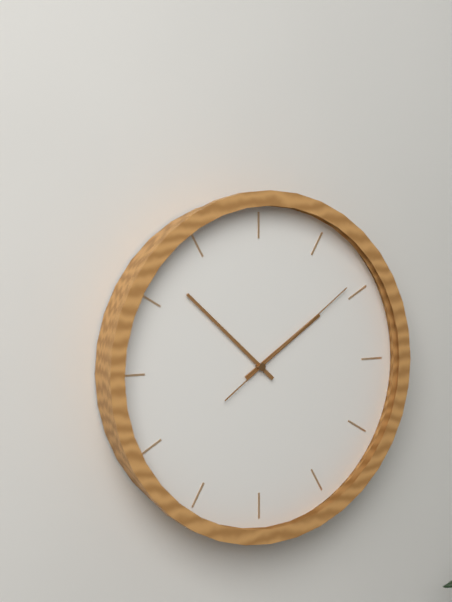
1:52:09
